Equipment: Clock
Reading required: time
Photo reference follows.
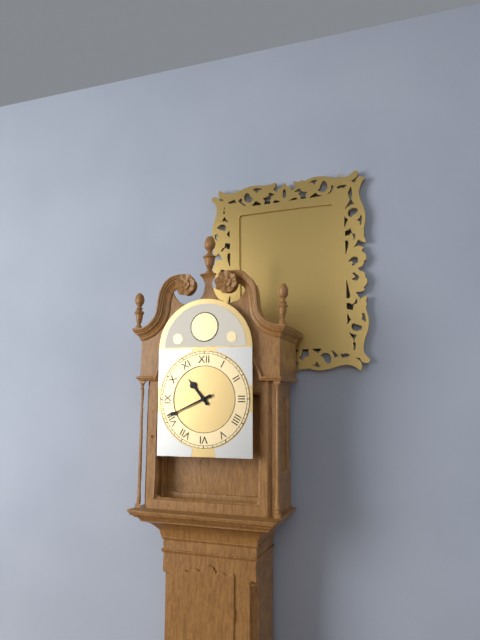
10:41
